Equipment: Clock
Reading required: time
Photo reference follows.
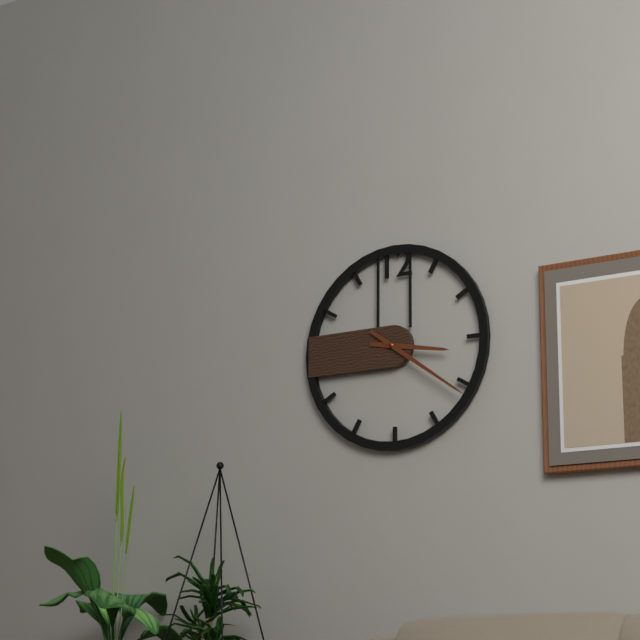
3:21
